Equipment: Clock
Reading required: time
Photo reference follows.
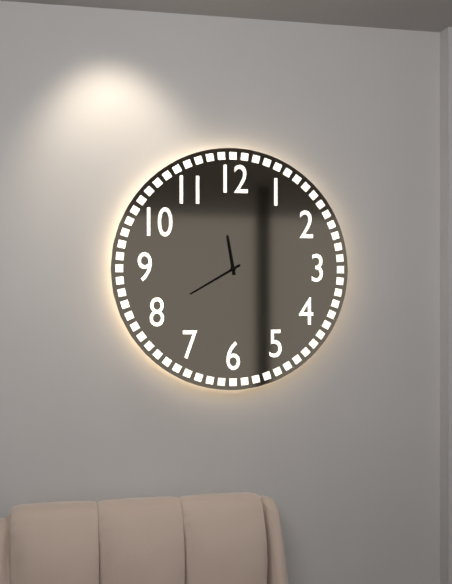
11:40
